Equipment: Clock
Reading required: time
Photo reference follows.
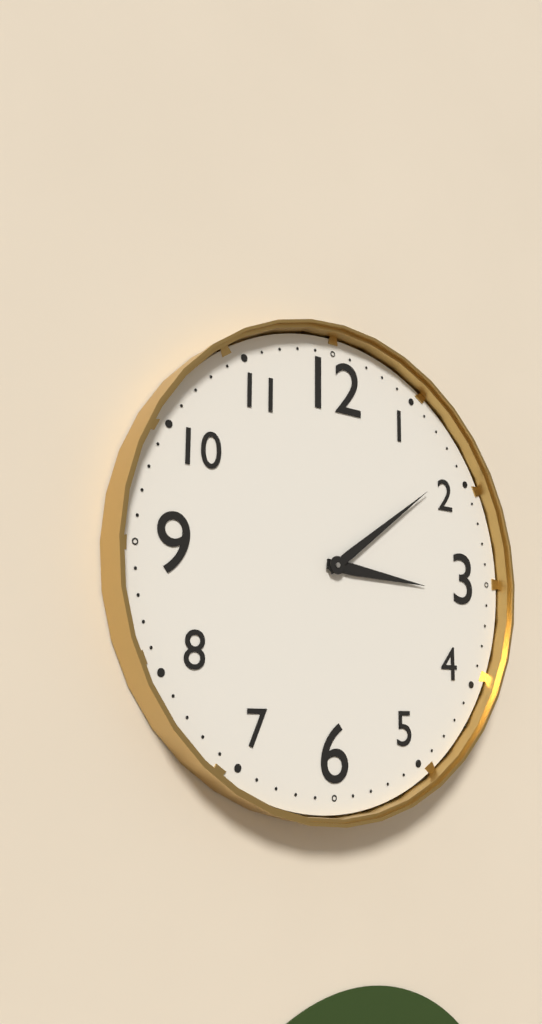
3:09
